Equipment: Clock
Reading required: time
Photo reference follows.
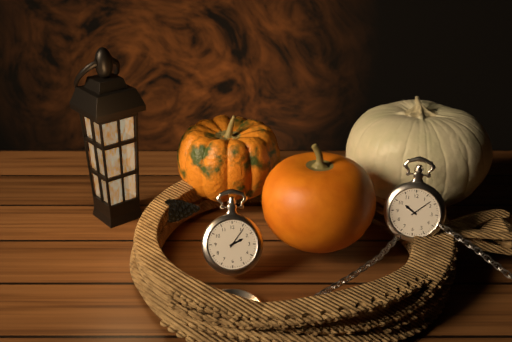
2:06
